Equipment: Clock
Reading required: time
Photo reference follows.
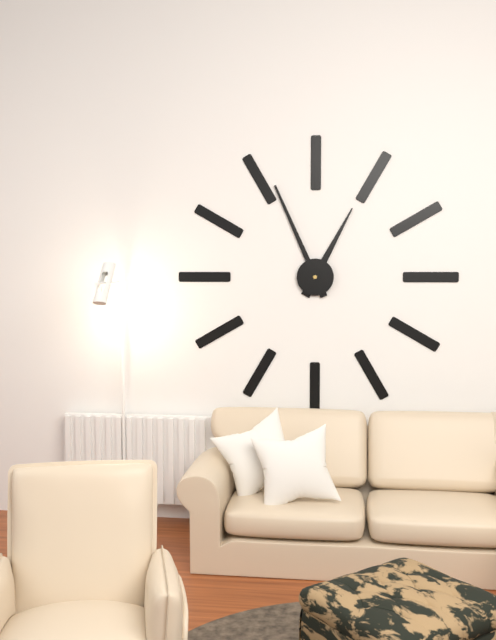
12:56
